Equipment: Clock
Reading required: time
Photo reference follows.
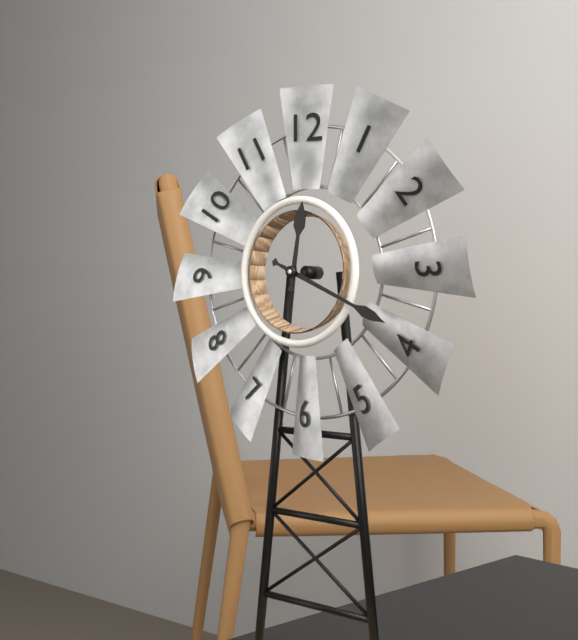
12:19
